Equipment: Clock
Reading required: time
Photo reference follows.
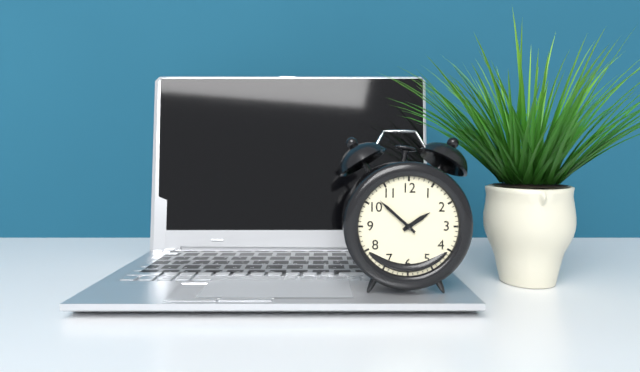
1:52
